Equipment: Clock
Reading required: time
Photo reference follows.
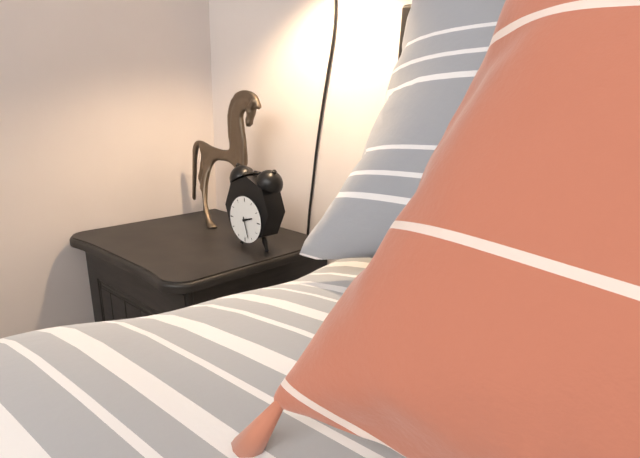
2:27
